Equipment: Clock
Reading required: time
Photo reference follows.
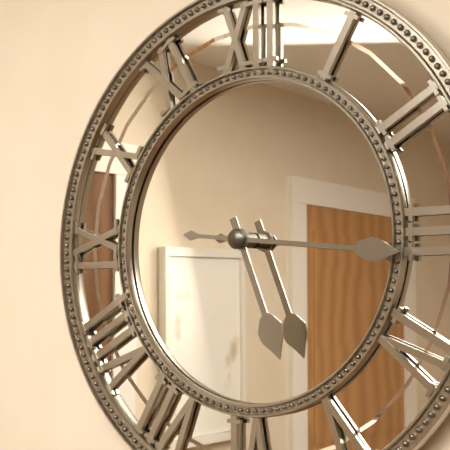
5:16
